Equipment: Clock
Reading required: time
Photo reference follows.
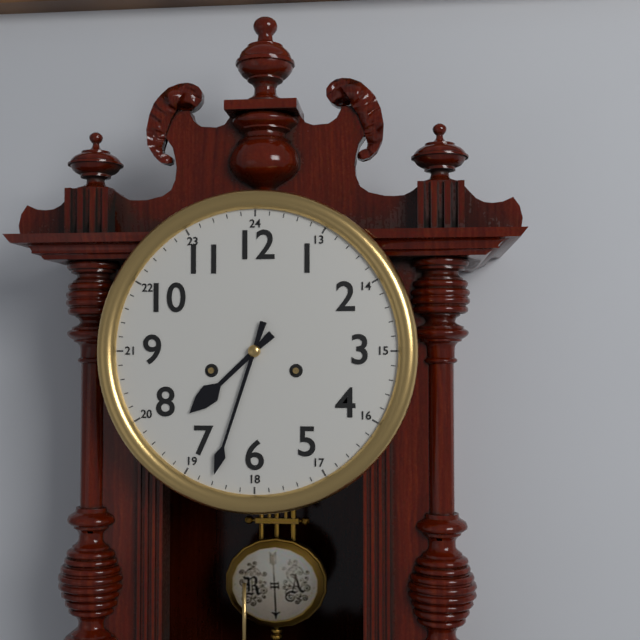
7:33
